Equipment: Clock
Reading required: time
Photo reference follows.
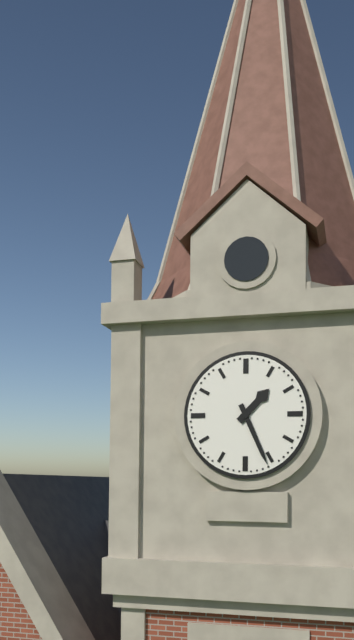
1:26
